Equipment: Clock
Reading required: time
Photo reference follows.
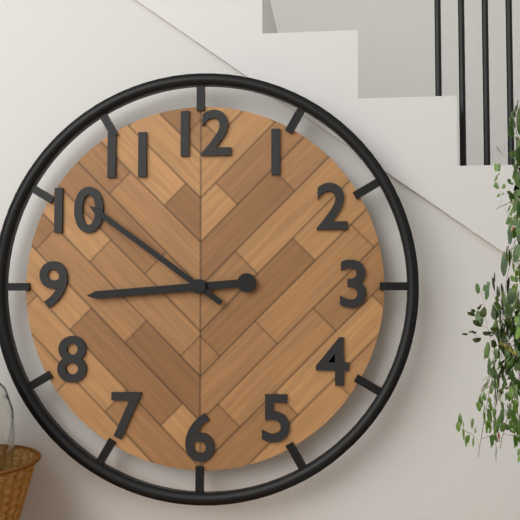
8:51
